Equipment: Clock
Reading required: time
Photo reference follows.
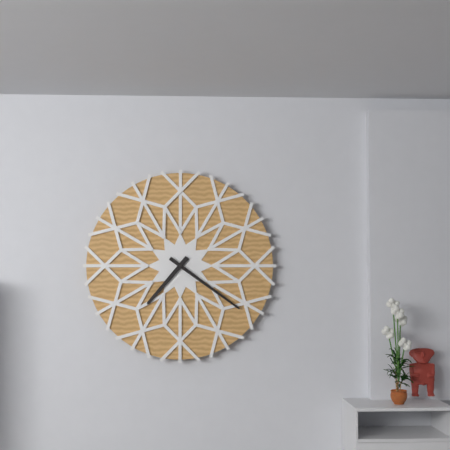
7:21
